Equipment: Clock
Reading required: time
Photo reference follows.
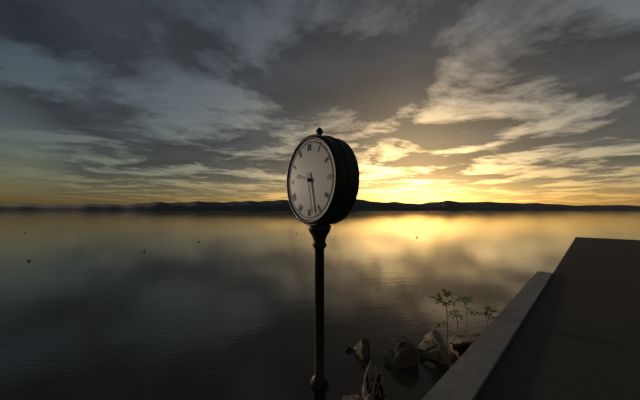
9:28
